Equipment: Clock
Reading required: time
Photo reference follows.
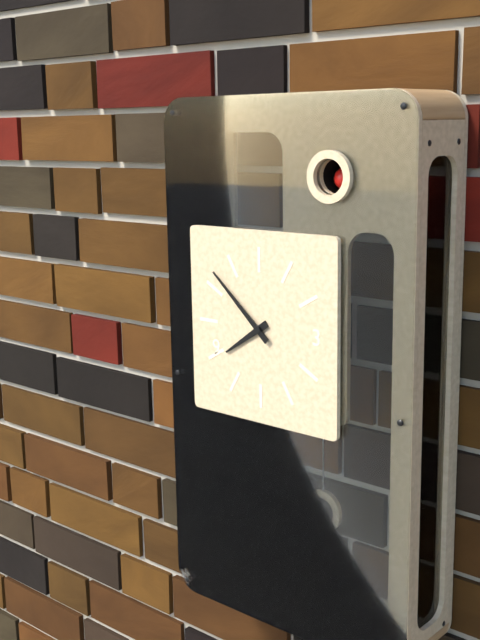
7:52
